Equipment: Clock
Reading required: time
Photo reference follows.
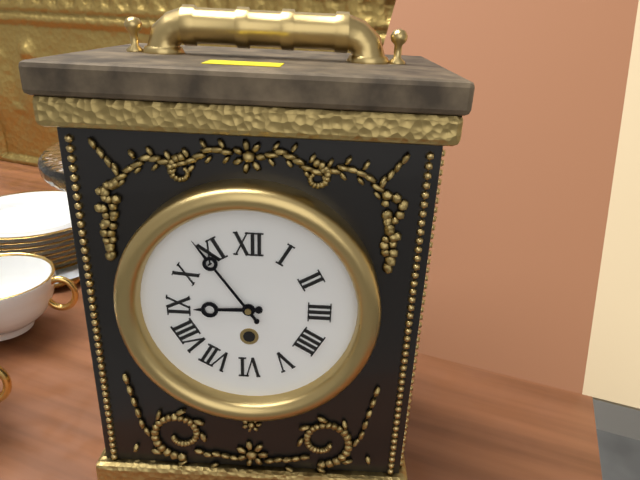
8:54
